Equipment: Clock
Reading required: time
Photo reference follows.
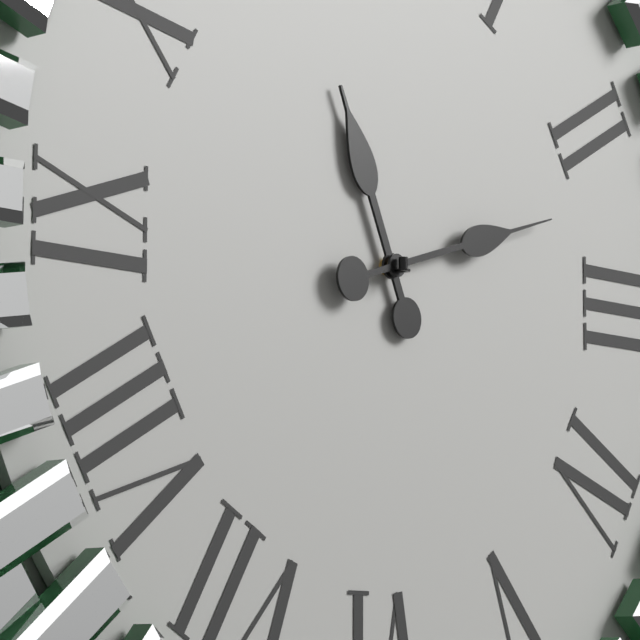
11:12
